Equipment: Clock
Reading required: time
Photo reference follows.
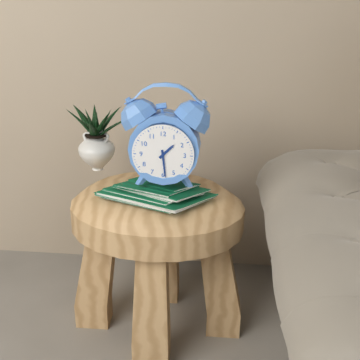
1:29
